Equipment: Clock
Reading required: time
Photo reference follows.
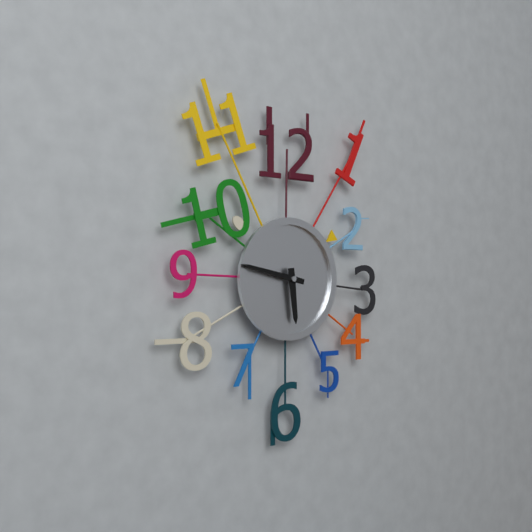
5:47
